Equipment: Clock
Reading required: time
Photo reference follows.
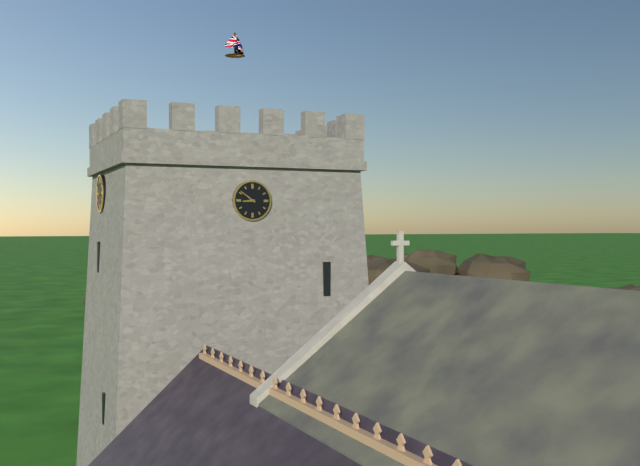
8:51
